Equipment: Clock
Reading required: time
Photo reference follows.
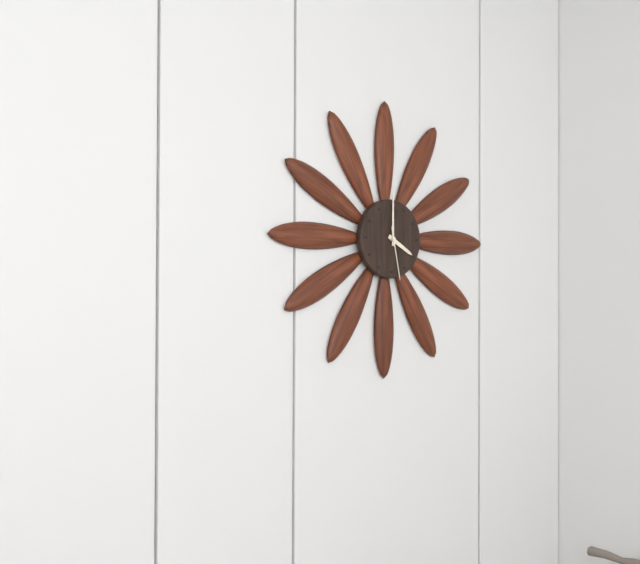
4:00:28
